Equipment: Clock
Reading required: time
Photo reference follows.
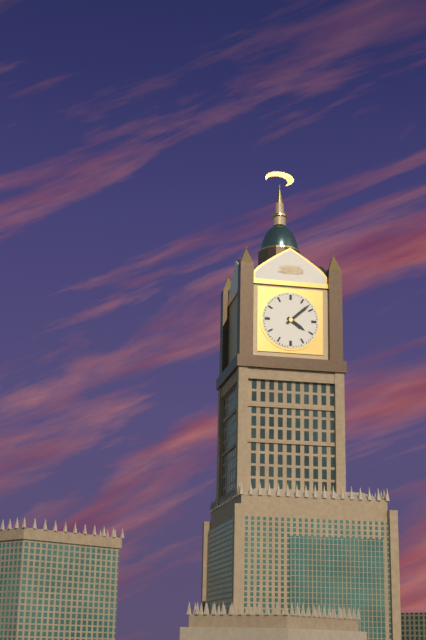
4:08
